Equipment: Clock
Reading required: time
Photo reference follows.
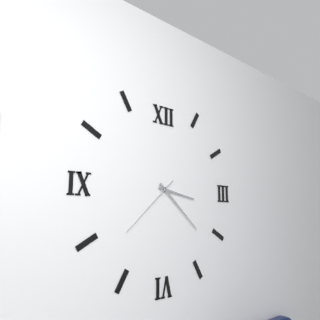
3:22:38
